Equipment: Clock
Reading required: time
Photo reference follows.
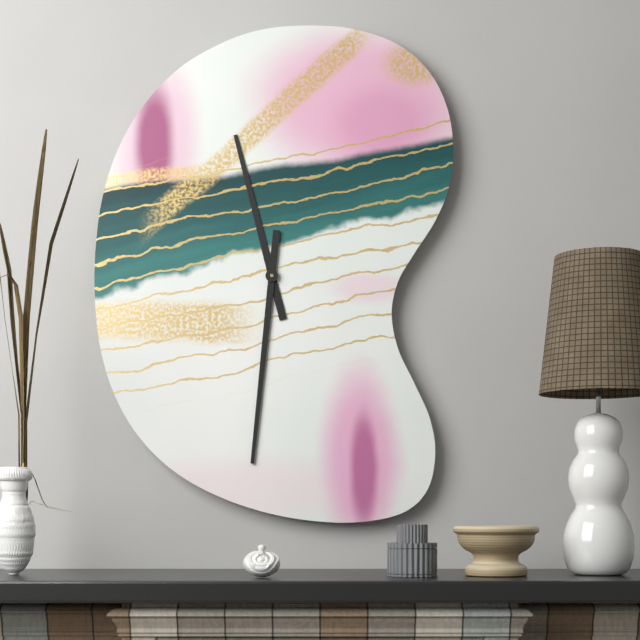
11:31
